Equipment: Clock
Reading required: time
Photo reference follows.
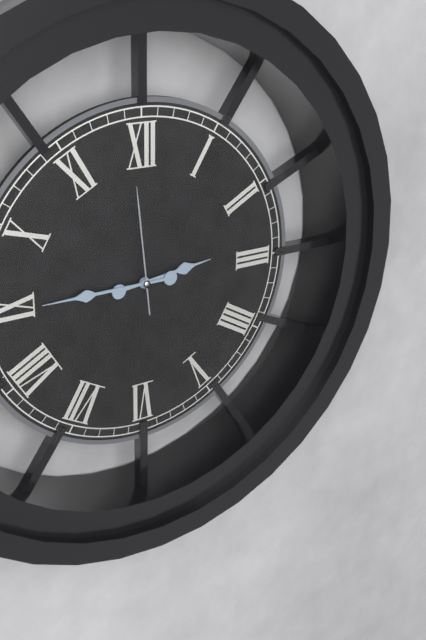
2:45:59
